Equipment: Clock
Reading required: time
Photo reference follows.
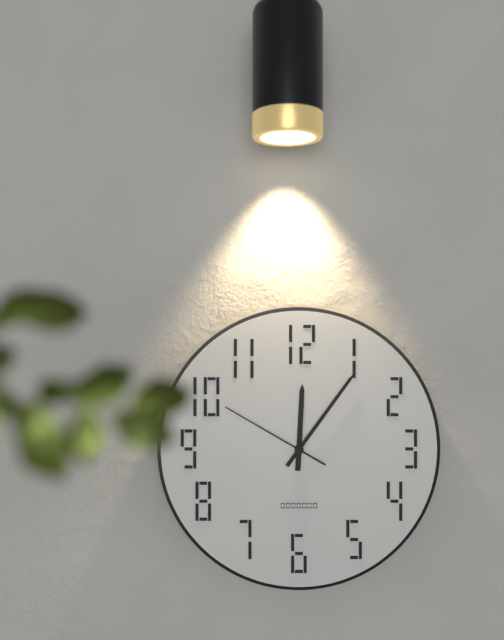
12:06:50
